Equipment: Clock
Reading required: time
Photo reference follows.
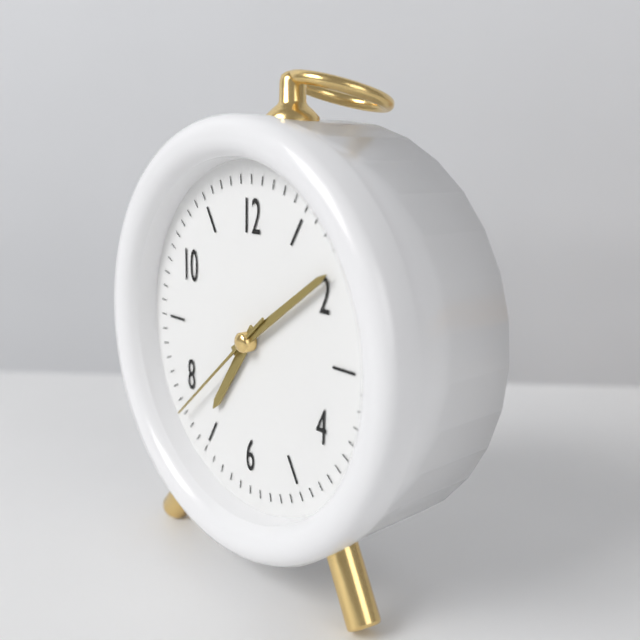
7:09:38
